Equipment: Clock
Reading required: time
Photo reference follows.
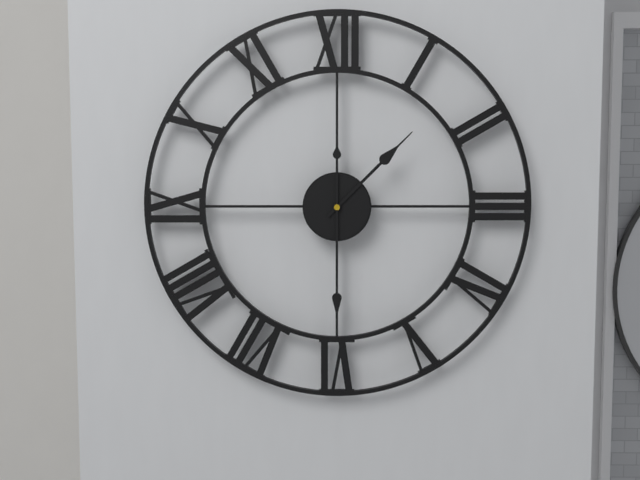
1:30
